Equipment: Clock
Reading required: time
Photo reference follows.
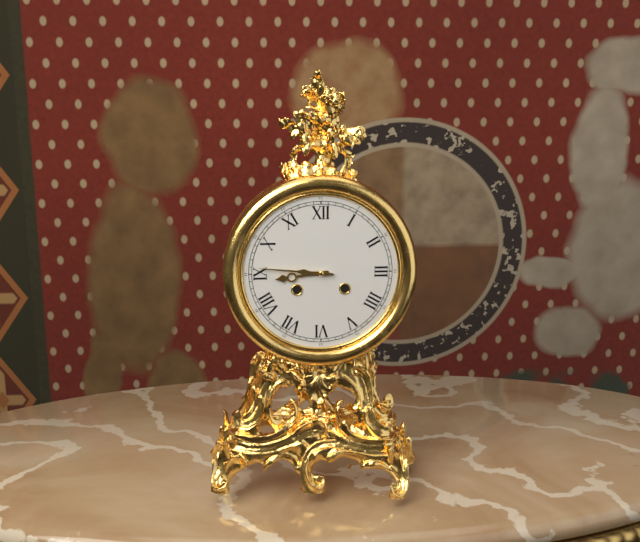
8:46
